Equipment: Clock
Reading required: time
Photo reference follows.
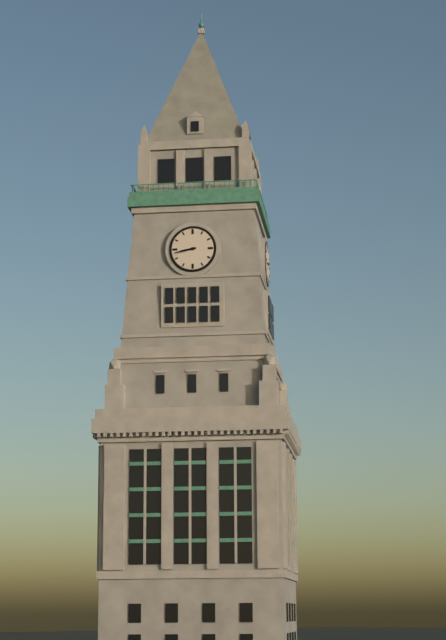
8:43
